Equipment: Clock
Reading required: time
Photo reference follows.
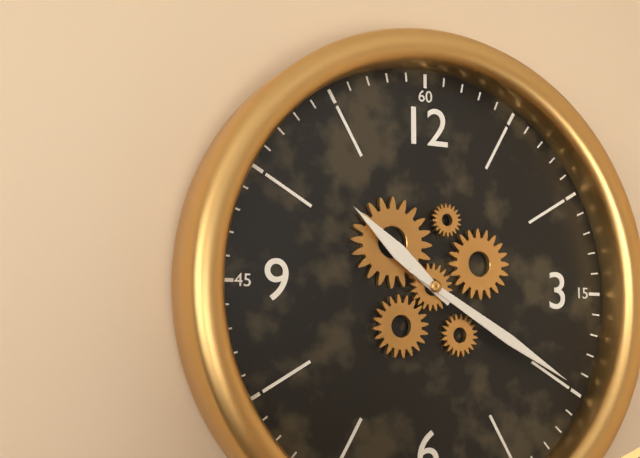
10:20
